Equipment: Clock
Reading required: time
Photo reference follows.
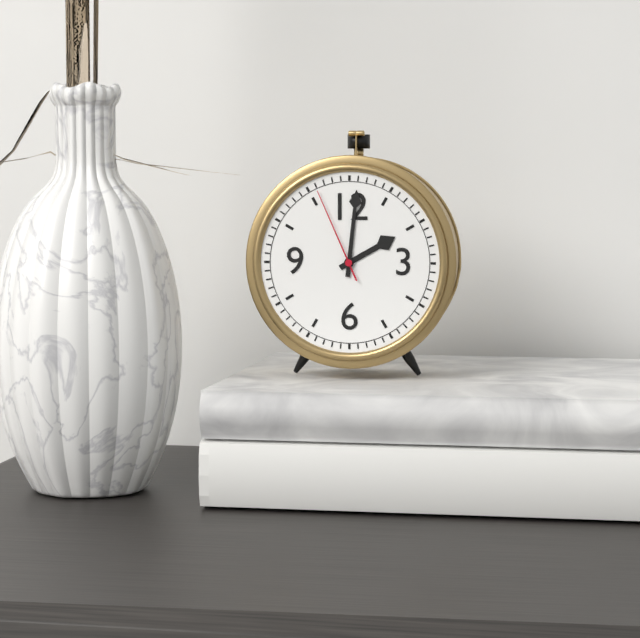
2:01:56
